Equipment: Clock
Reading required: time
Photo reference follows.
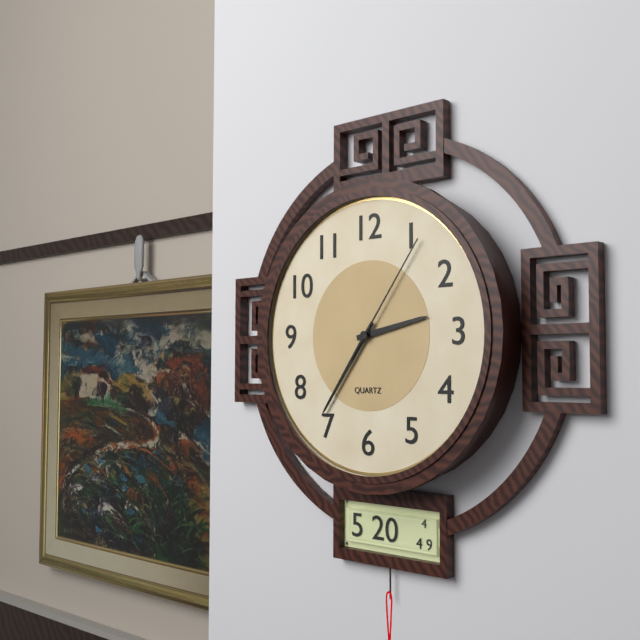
2:36:06
